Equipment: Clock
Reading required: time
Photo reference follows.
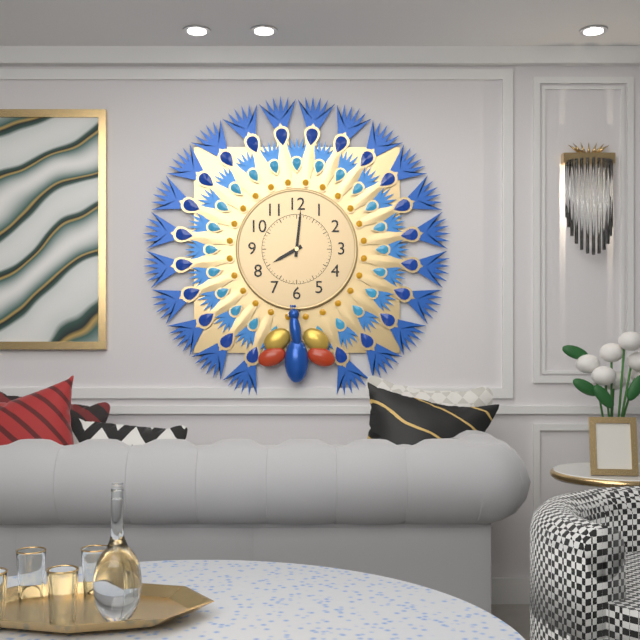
8:01
